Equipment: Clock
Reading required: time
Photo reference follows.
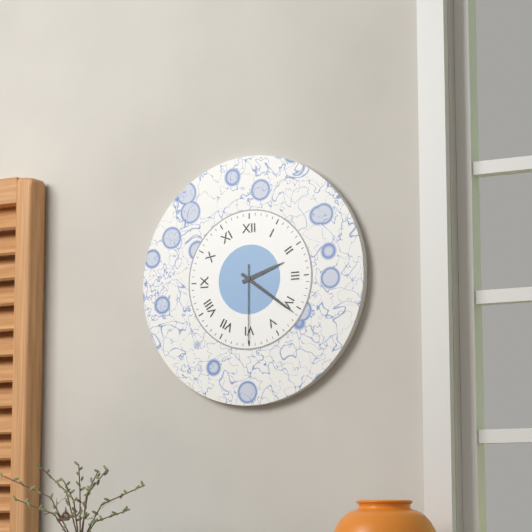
2:21:30
